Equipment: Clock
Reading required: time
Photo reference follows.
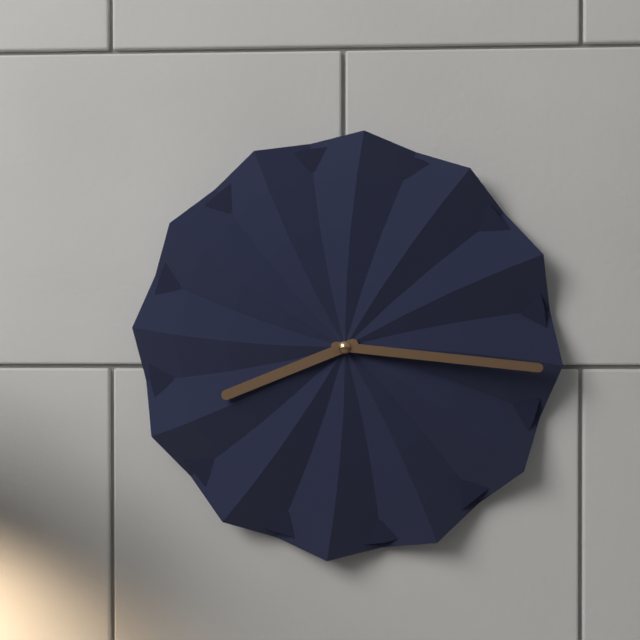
8:16
